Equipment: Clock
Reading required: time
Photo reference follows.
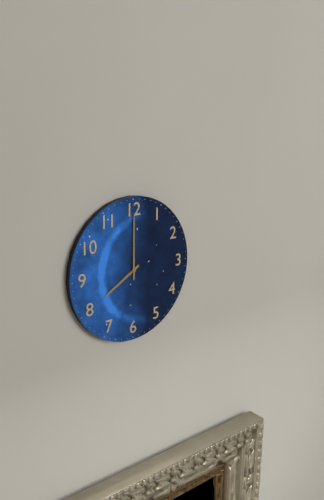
8:00
